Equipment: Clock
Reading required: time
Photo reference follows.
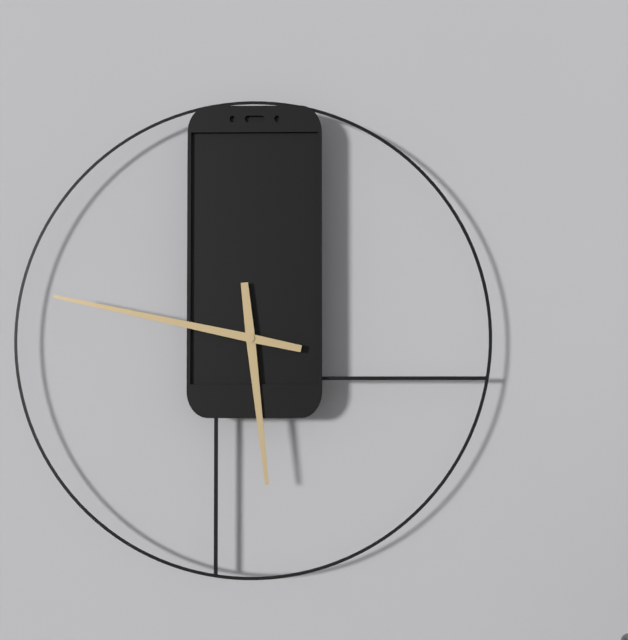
5:47
